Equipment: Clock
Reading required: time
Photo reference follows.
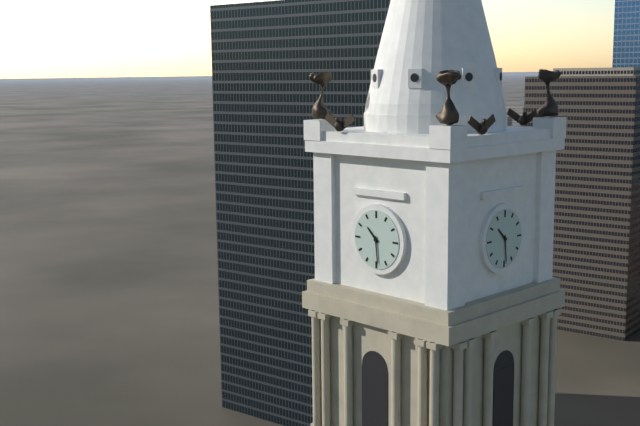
10:29
